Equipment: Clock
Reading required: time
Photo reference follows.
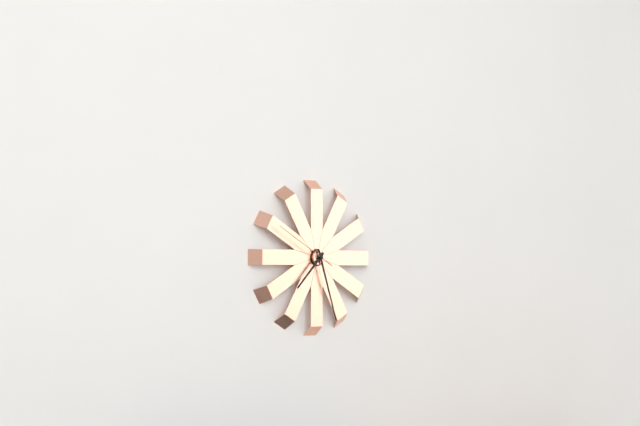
7:27:50
